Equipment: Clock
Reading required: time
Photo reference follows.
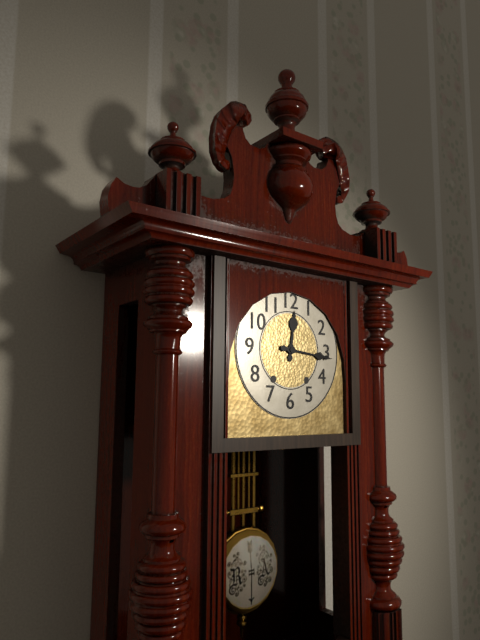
12:16
